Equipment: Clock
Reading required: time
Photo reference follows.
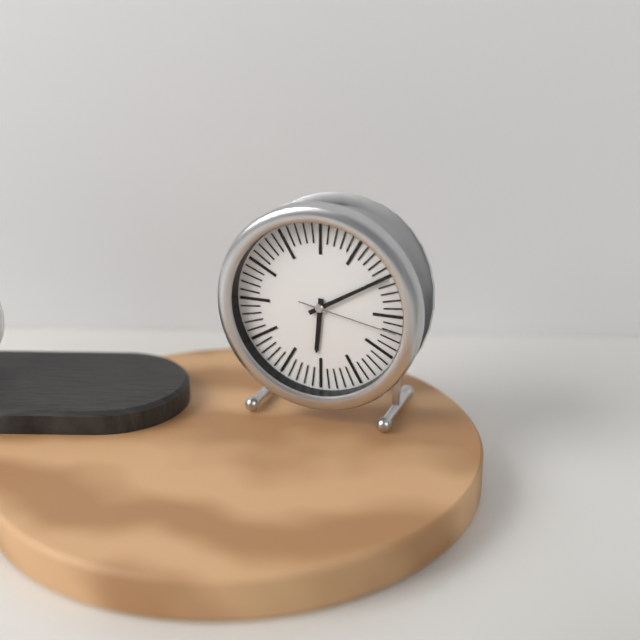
6:10:17
